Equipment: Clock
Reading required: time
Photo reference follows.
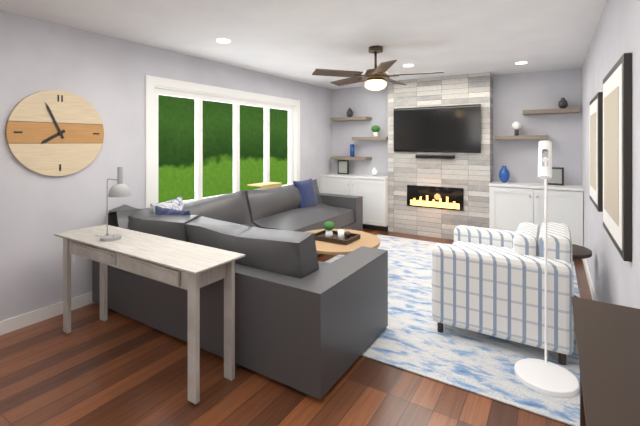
7:56
